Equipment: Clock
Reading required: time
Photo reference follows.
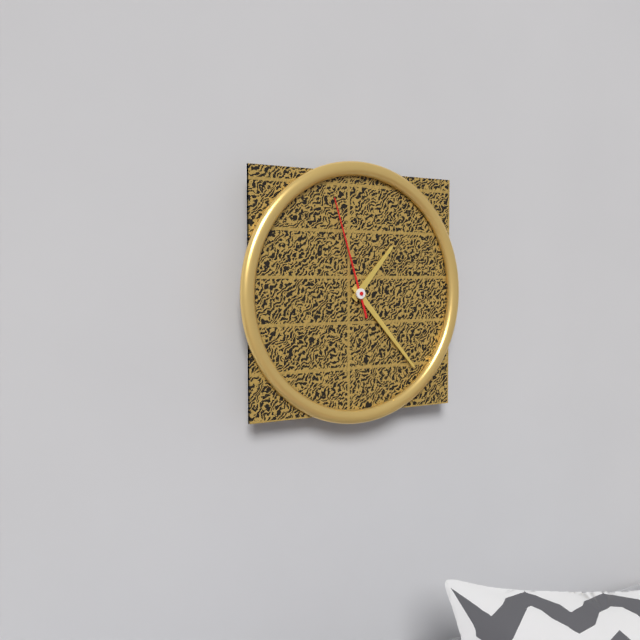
1:23:57
